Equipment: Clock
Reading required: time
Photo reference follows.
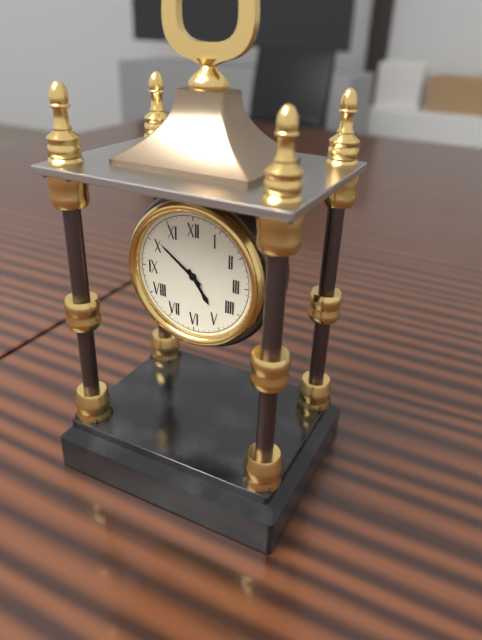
4:51
